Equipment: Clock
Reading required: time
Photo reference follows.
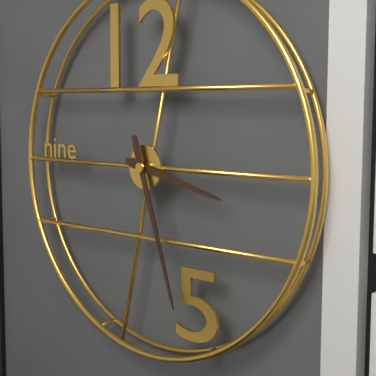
3:27
